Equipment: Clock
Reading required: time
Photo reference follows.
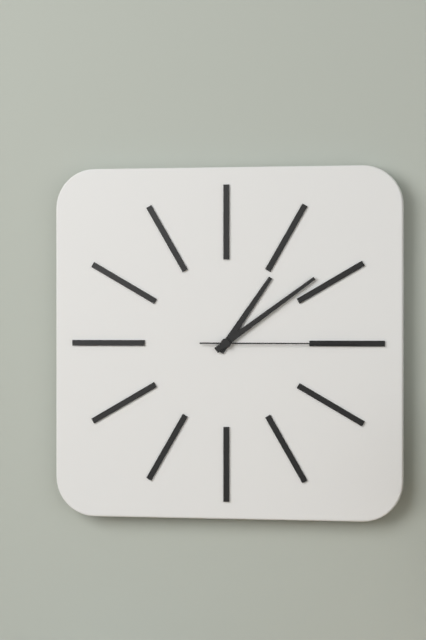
1:09:15
